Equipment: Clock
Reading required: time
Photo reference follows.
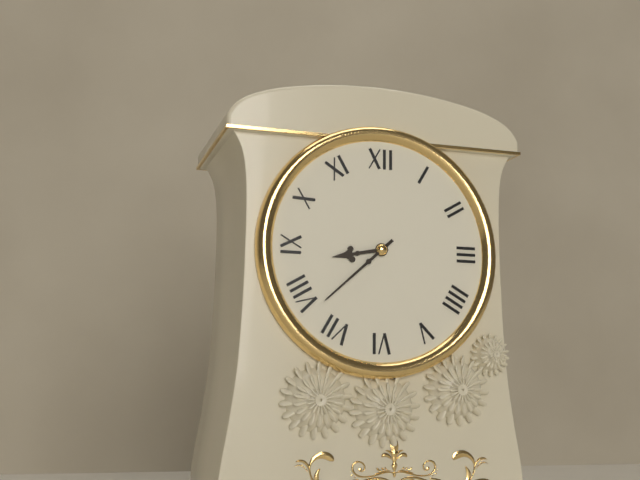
8:38
